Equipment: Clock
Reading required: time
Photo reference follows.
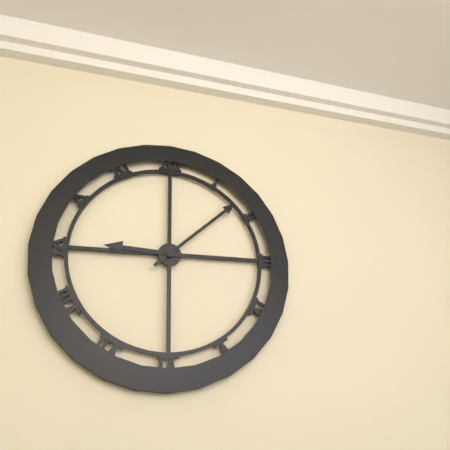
9:08
